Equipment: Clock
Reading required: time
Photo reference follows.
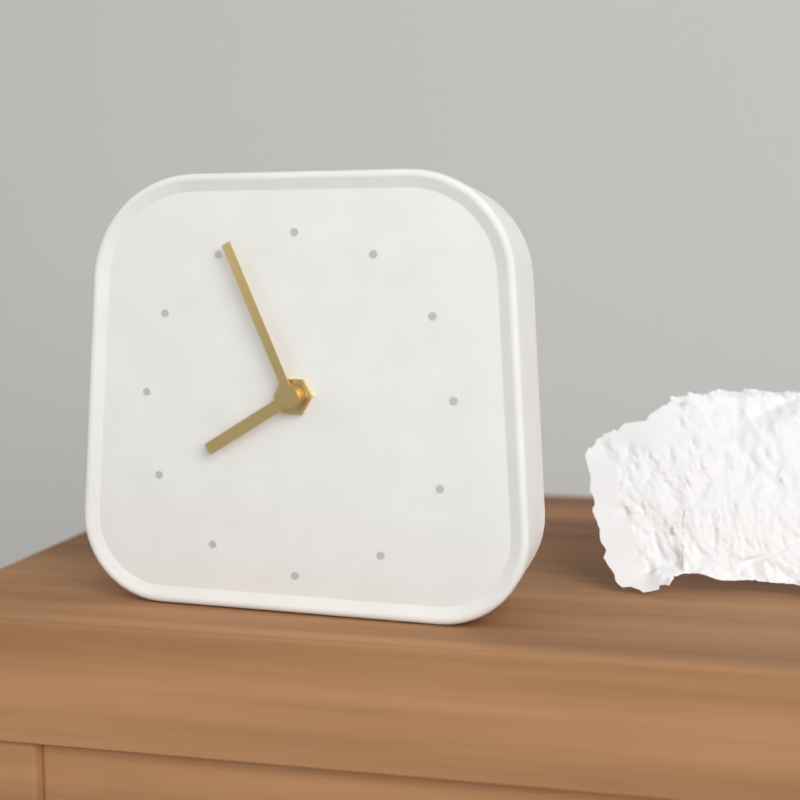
7:56
